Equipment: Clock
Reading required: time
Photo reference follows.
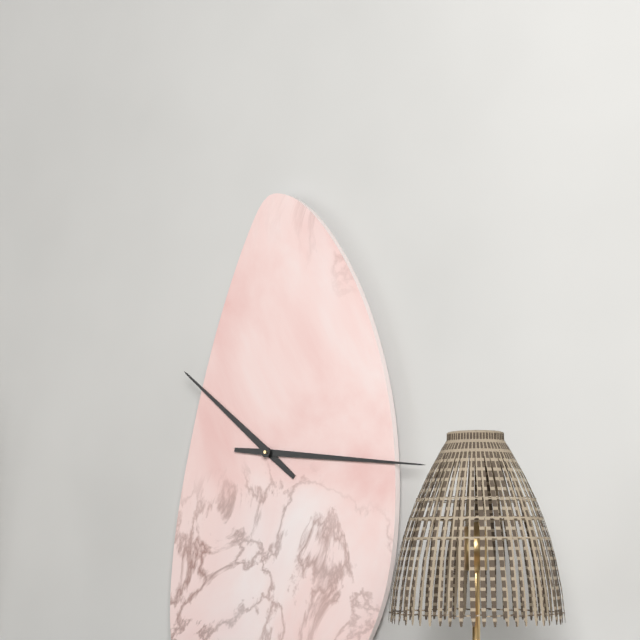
10:16
